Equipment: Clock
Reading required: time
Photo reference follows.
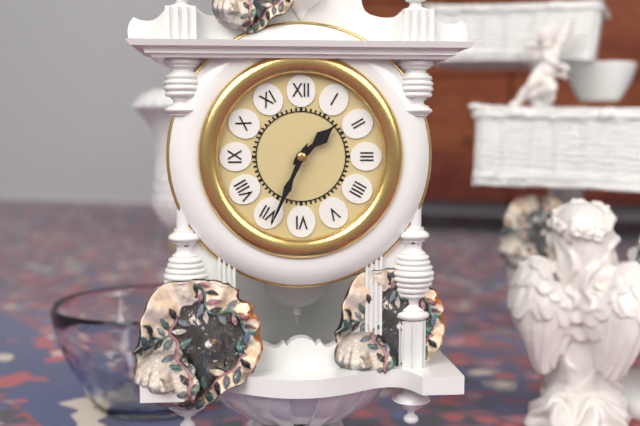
1:34
